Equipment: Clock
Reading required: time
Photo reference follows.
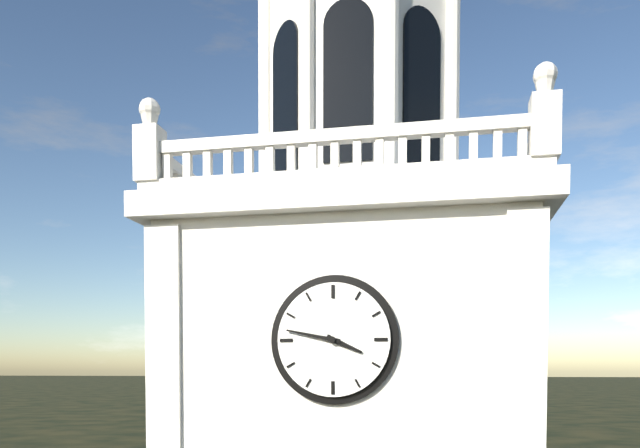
3:47
